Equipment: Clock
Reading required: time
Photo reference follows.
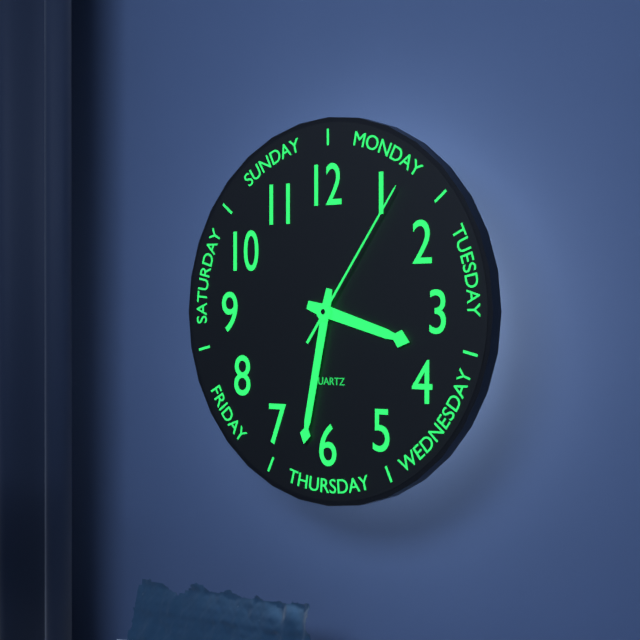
3:32:06
